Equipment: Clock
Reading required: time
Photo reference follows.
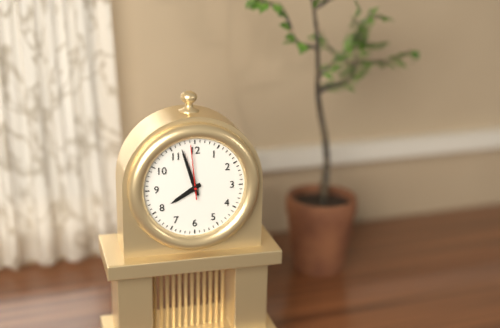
7:57:59
